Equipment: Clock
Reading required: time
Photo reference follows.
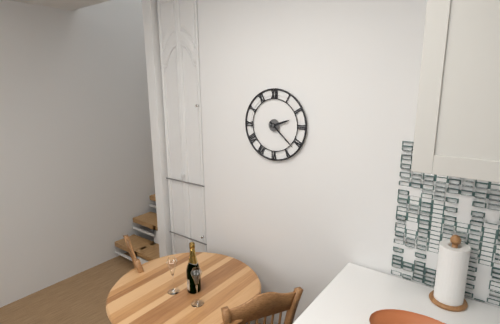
2:22
